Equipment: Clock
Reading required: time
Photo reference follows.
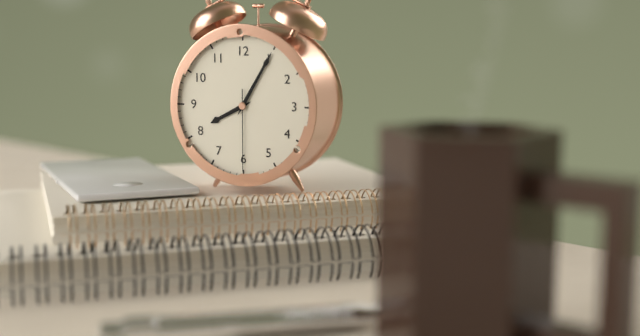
8:05:30
